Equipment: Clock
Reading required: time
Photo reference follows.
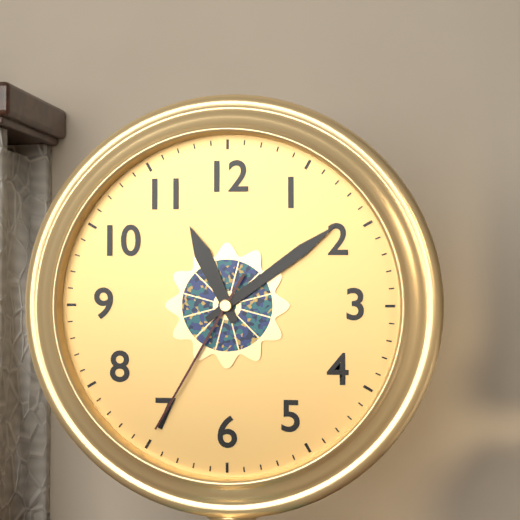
11:09:35
